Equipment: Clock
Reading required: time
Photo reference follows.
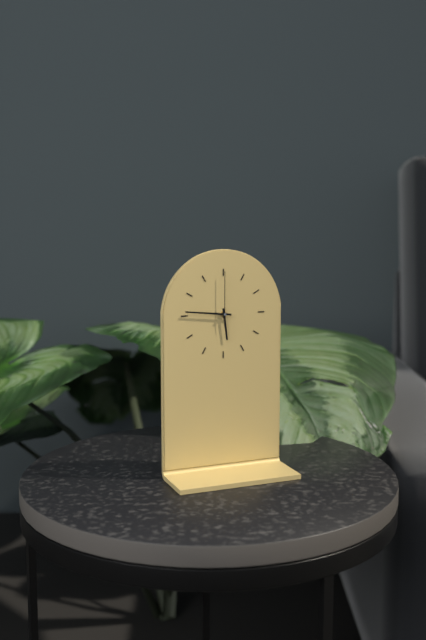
5:46:00
